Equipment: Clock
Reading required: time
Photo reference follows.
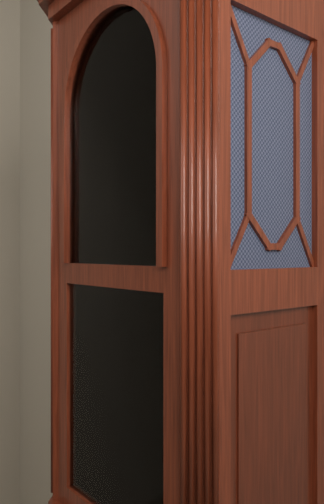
3:00
